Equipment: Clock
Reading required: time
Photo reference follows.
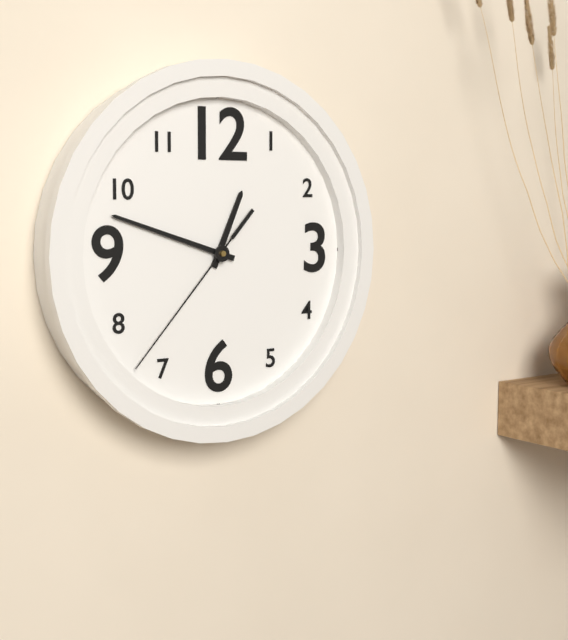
12:48:37
